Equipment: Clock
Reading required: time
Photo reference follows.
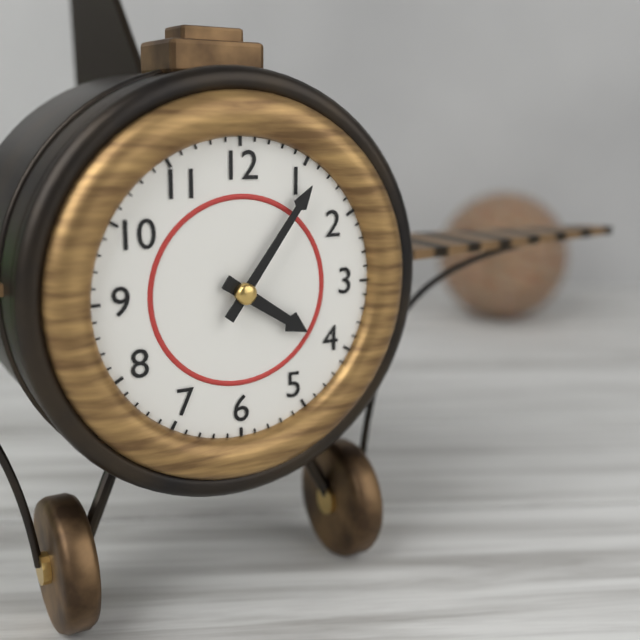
4:06
